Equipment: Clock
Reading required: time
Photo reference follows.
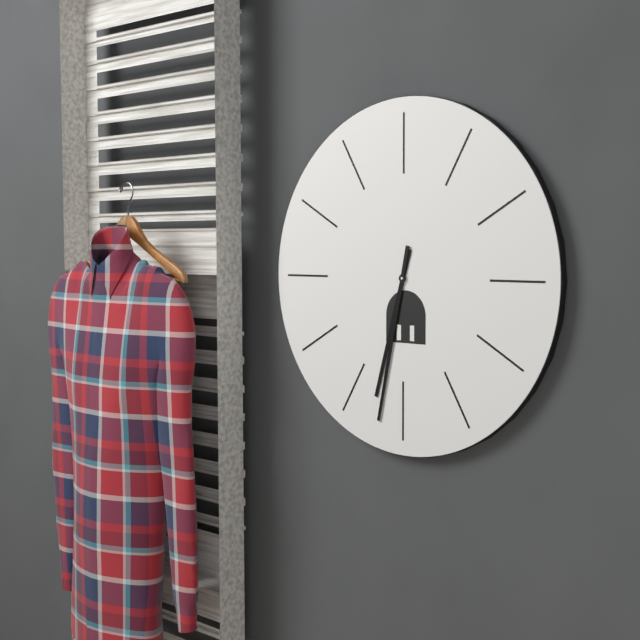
6:32
